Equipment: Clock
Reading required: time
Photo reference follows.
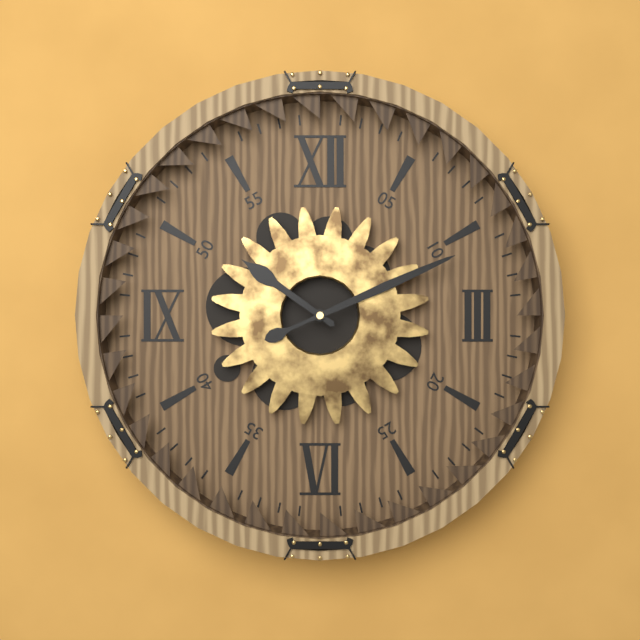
10:11
